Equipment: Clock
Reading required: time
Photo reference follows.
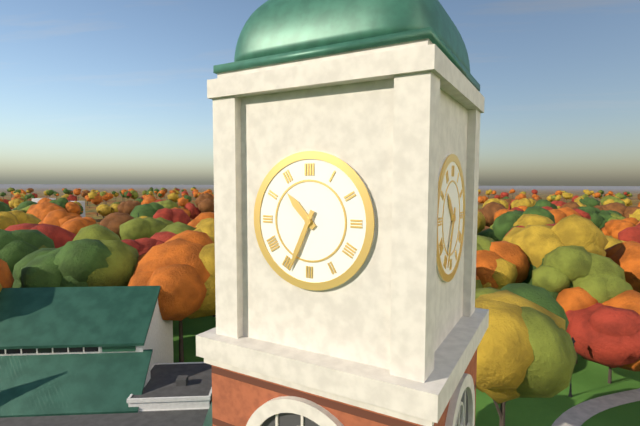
10:34
